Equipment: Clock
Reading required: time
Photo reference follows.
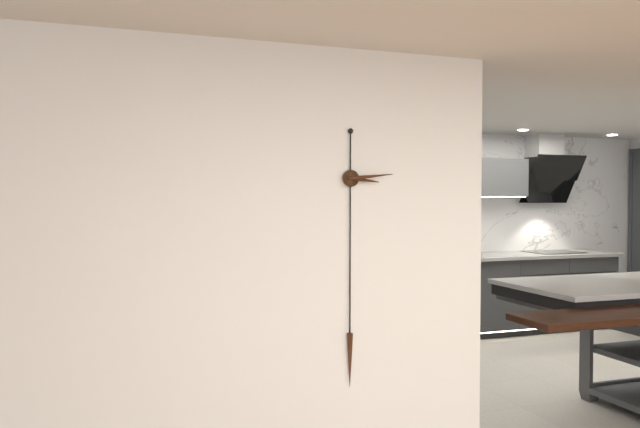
3:14
